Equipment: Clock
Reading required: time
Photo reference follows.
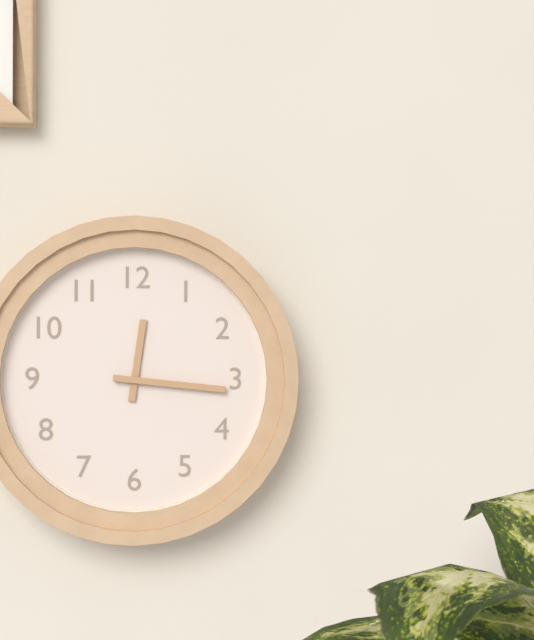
12:16
